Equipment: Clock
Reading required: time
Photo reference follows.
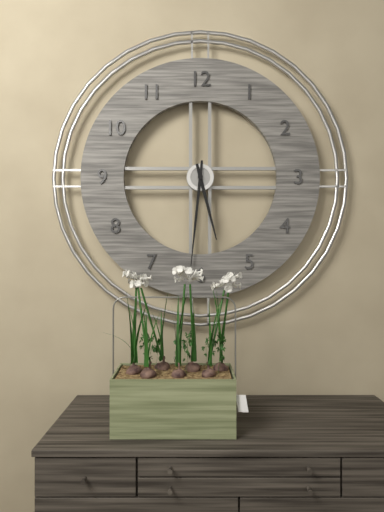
5:31
